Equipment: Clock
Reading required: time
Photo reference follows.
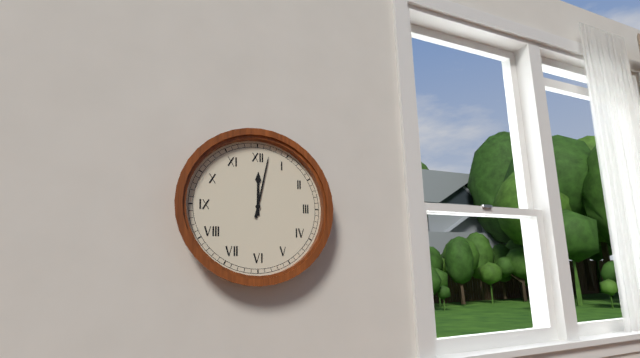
12:02
